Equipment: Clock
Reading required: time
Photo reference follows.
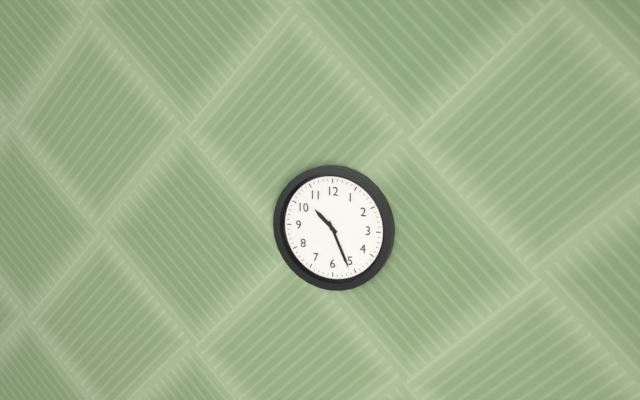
10:26
